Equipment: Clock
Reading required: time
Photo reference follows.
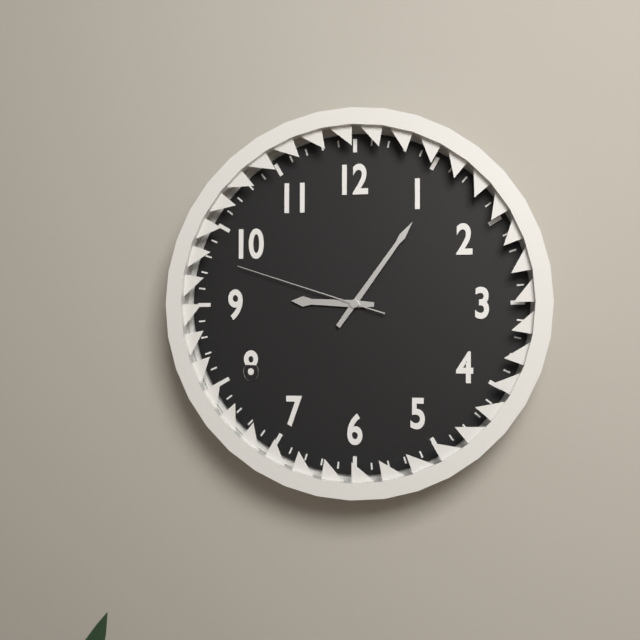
9:06:48
